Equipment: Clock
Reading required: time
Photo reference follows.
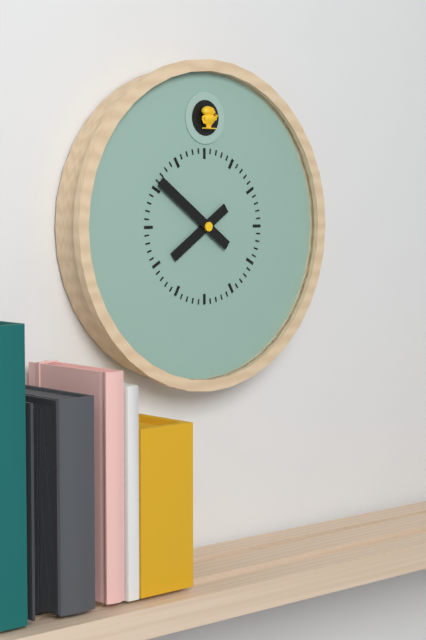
7:51
